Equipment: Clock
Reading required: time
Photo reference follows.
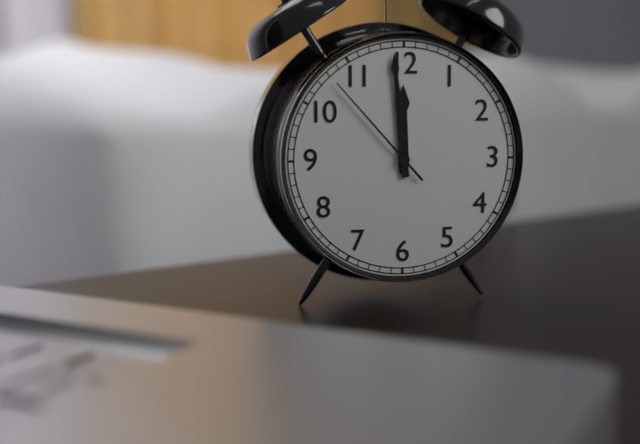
11:59:53
